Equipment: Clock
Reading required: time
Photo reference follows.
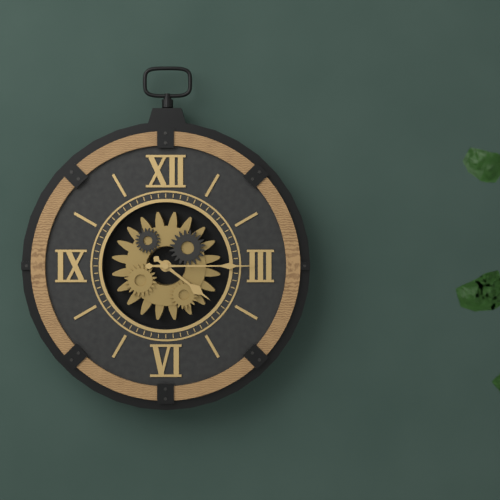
4:15
